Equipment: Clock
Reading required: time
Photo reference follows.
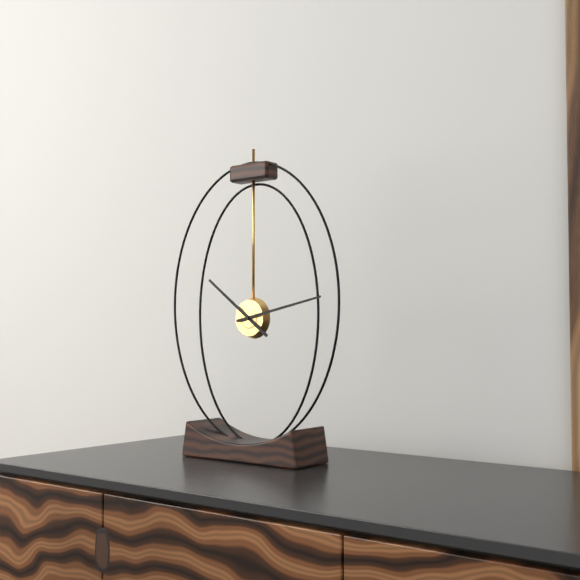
10:13
